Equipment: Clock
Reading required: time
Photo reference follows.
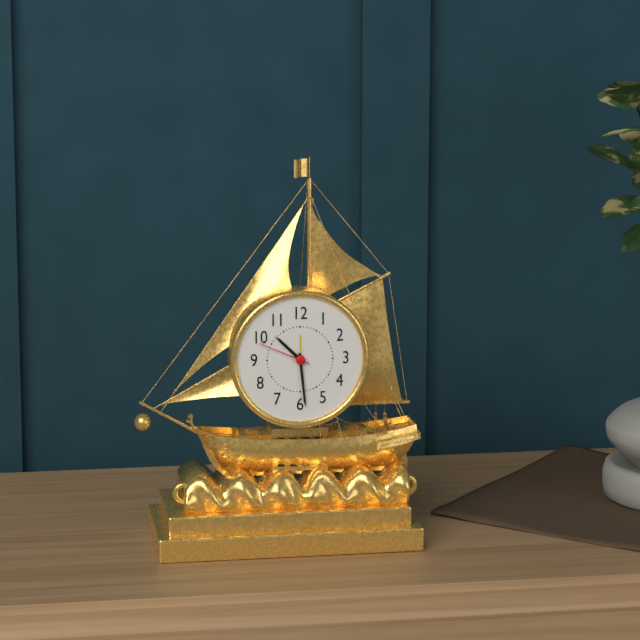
10:29:49
